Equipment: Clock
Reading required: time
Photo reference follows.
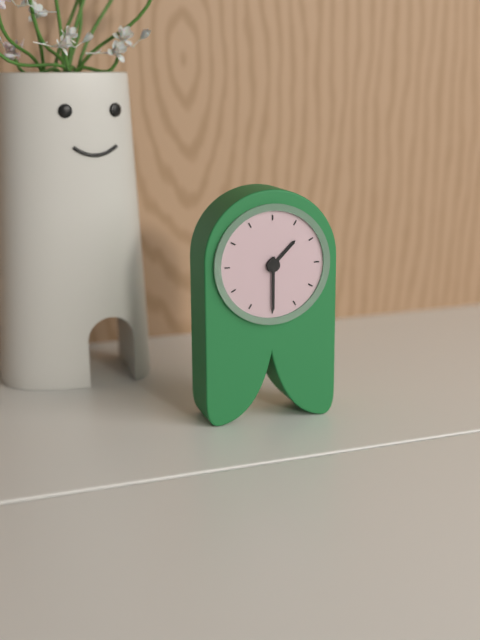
1:30
